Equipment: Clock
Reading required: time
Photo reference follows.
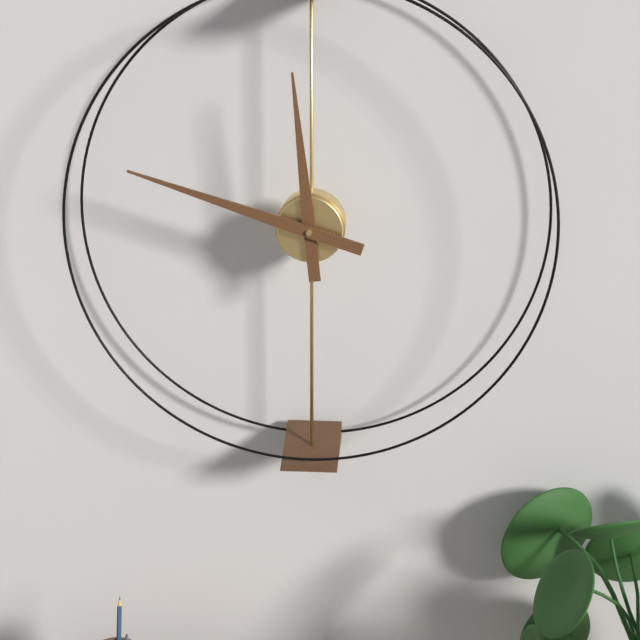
11:48
